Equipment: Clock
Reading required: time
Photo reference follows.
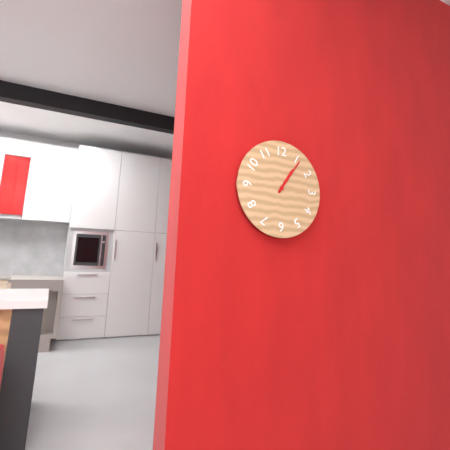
1:06
